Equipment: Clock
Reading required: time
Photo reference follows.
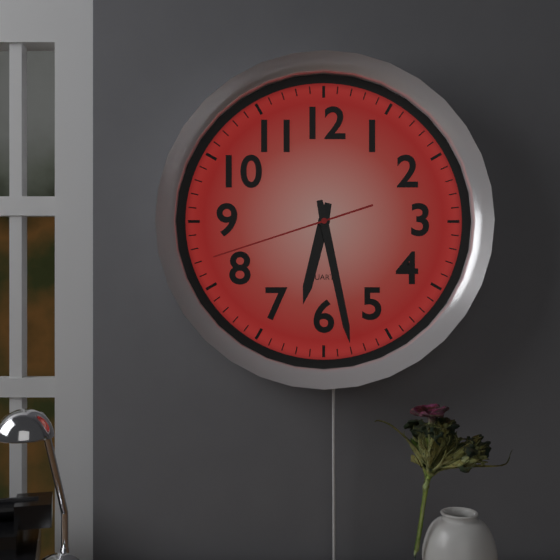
6:28:42
